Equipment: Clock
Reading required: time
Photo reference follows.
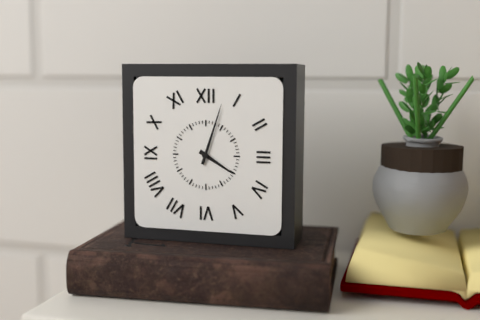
4:03
